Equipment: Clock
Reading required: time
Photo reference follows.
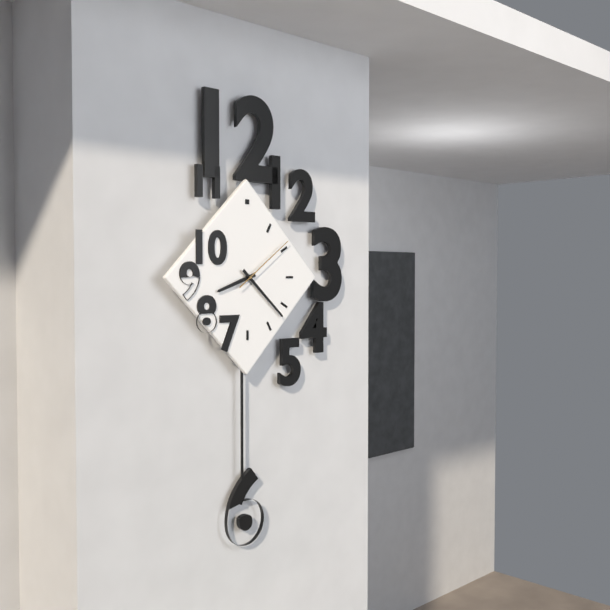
8:22:09
